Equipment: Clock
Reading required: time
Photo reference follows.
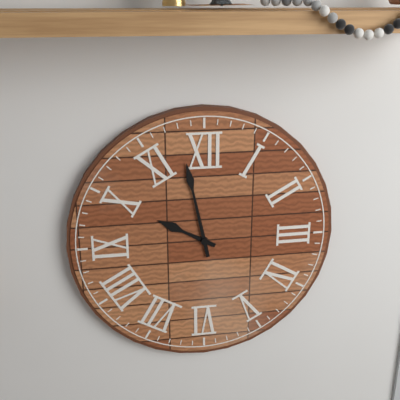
9:58
